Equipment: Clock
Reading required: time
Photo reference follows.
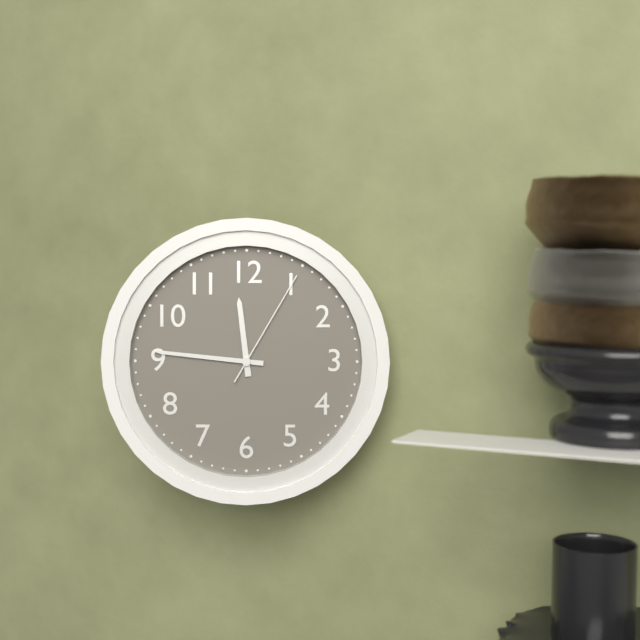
11:46:05
